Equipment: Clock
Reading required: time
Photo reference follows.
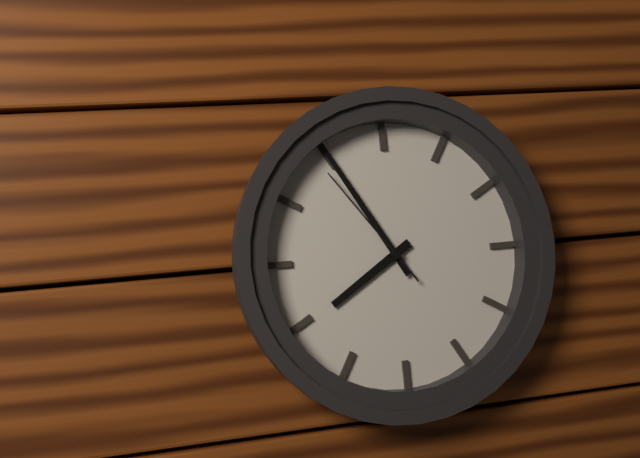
7:55:54
